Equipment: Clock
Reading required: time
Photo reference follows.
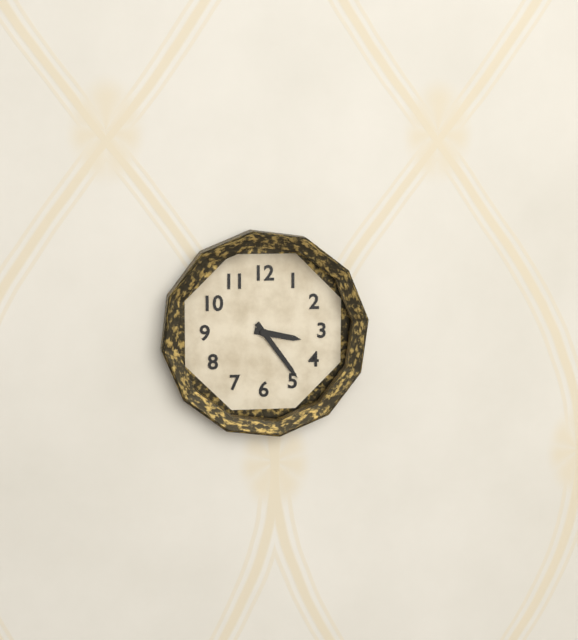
3:24
